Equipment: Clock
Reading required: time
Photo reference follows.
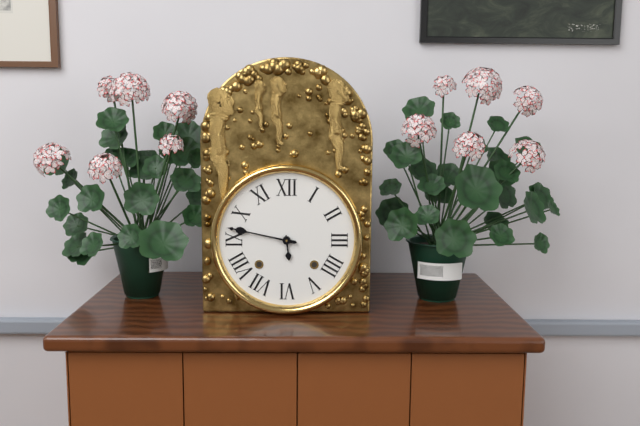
5:47
